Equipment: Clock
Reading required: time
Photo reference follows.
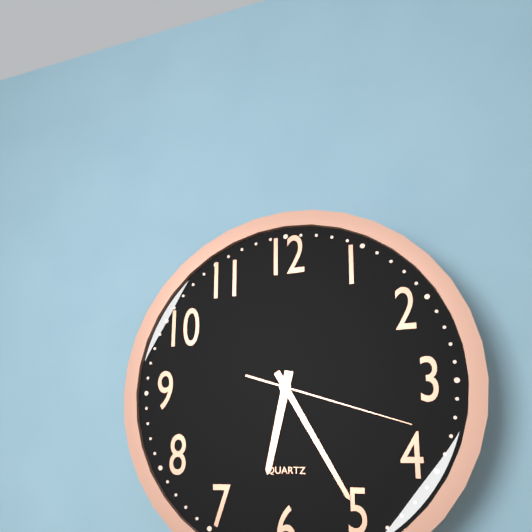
6:25:18
